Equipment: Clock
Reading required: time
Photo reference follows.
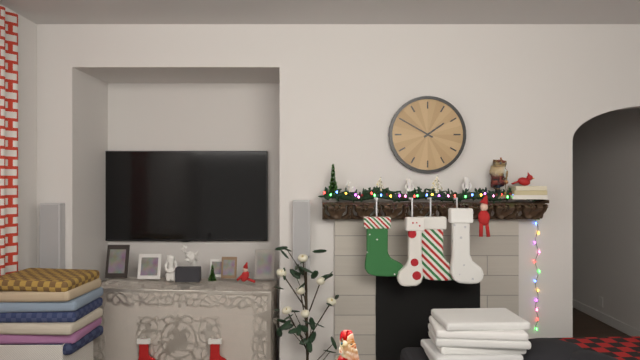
1:50
